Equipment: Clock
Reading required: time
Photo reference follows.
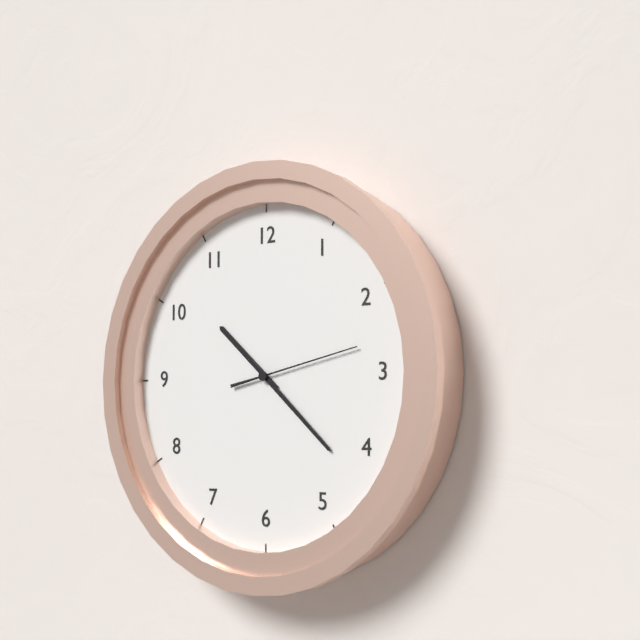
10:22:13
